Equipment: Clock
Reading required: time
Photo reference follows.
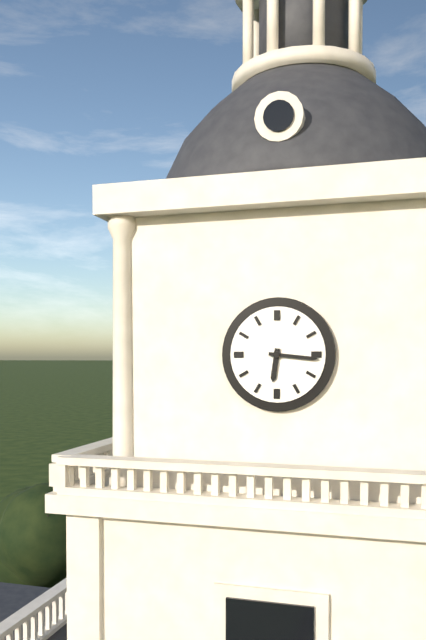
6:16
